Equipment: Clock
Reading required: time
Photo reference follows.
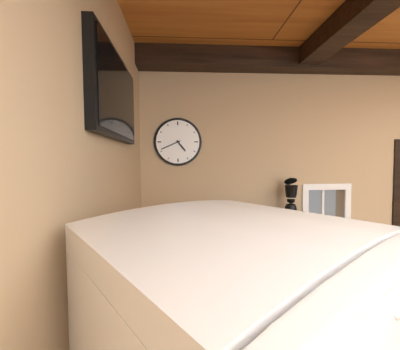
4:41
